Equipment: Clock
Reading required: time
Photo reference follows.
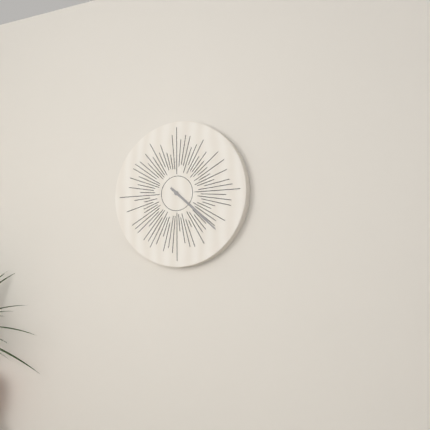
4:22
